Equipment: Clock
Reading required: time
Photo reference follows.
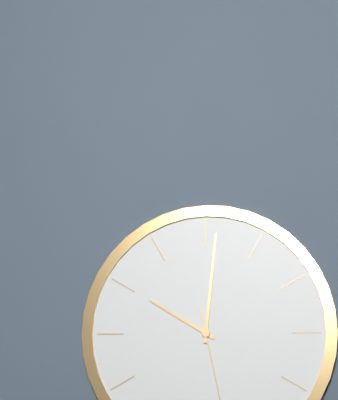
10:01
